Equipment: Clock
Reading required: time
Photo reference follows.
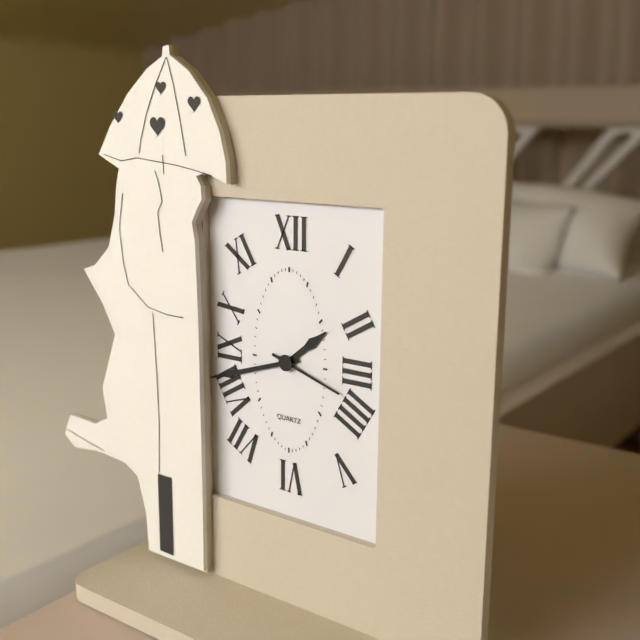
1:42:18
